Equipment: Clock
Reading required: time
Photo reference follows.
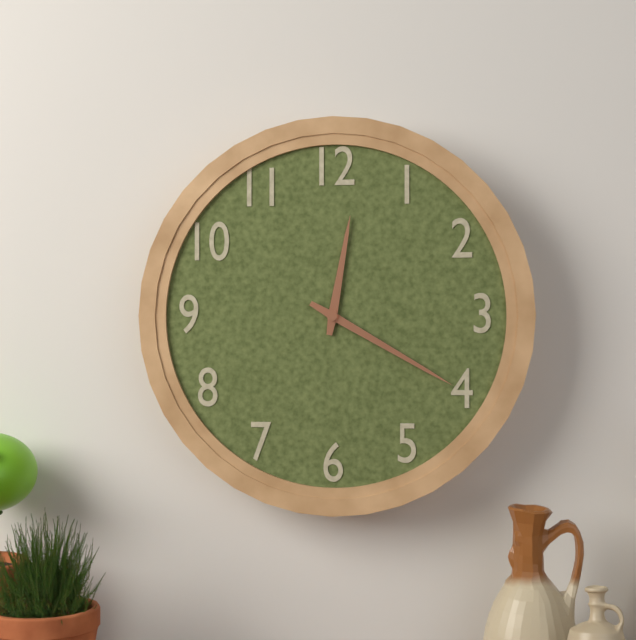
12:20
